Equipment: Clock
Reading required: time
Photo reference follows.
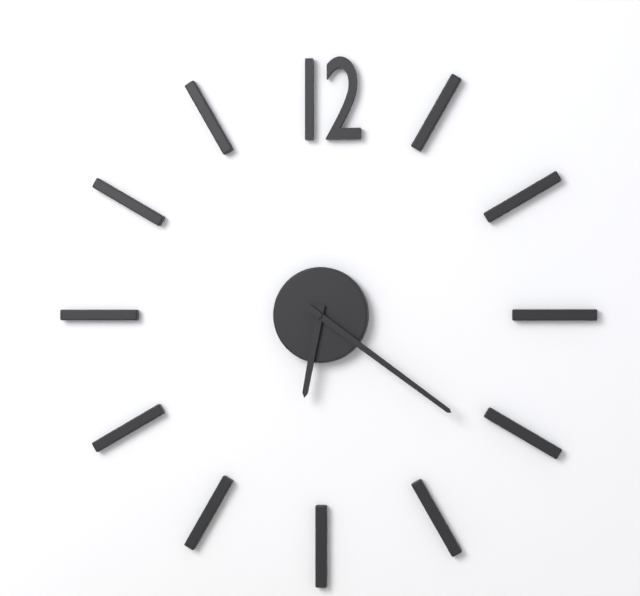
6:21
